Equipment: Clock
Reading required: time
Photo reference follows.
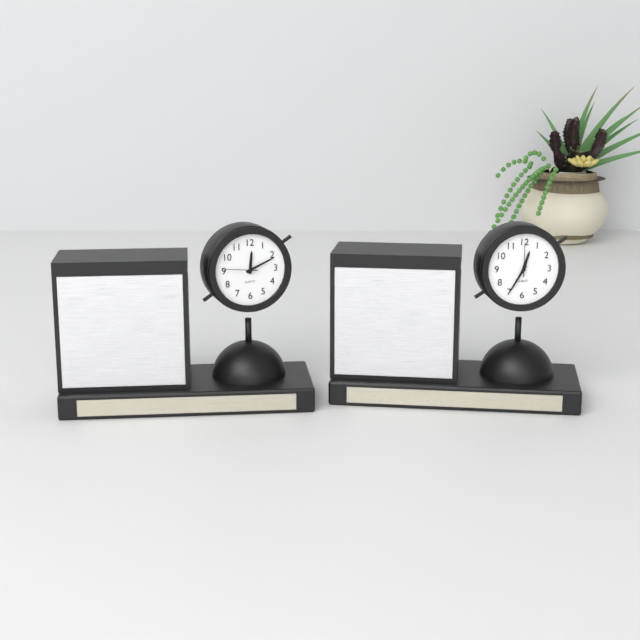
12:11
